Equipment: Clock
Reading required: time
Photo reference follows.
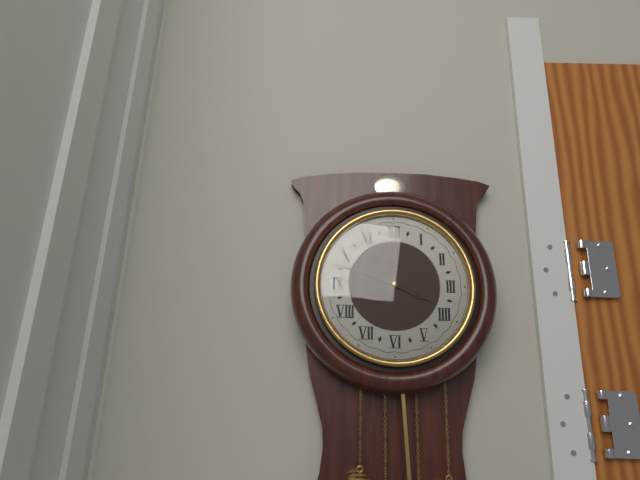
3:48
